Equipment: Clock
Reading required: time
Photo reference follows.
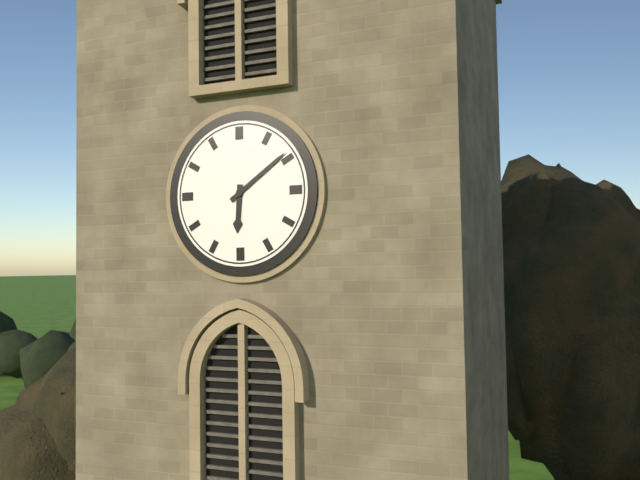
6:09
